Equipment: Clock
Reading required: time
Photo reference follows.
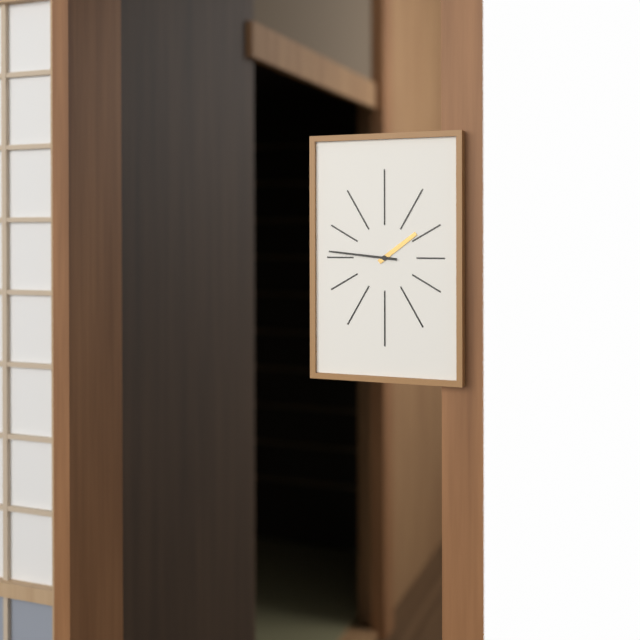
1:46
